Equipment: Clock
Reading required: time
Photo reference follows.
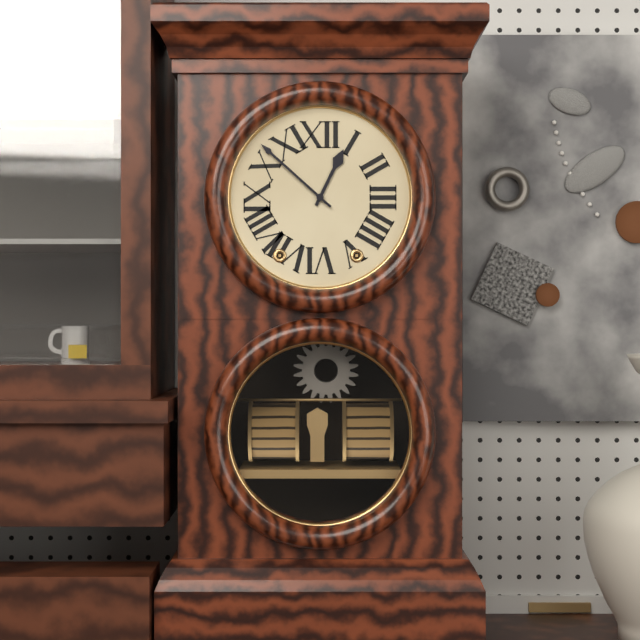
12:52
